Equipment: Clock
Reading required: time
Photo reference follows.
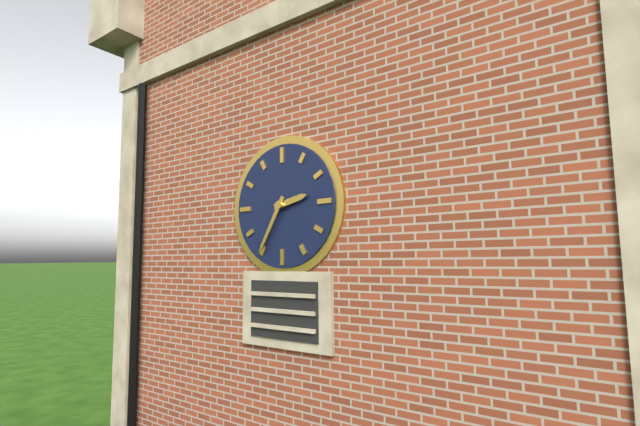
2:35
